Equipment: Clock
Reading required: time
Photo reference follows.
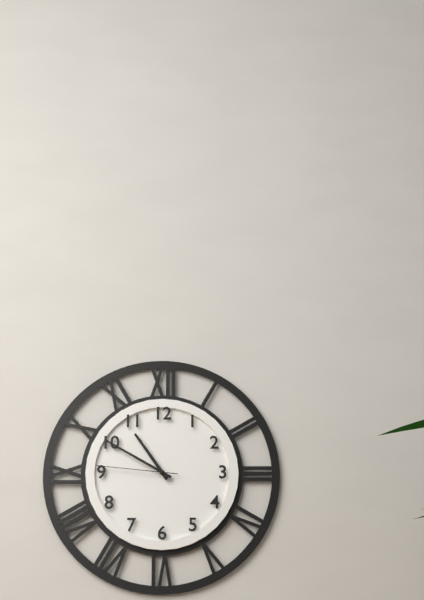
10:50:46
